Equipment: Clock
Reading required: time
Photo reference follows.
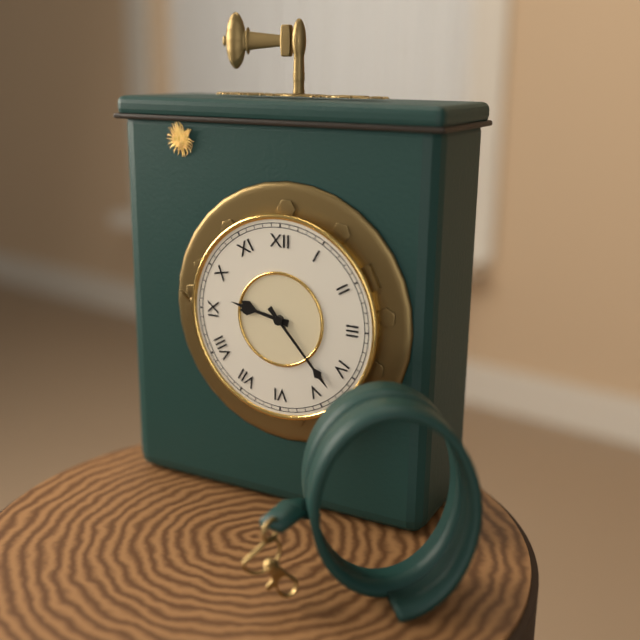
9:23
